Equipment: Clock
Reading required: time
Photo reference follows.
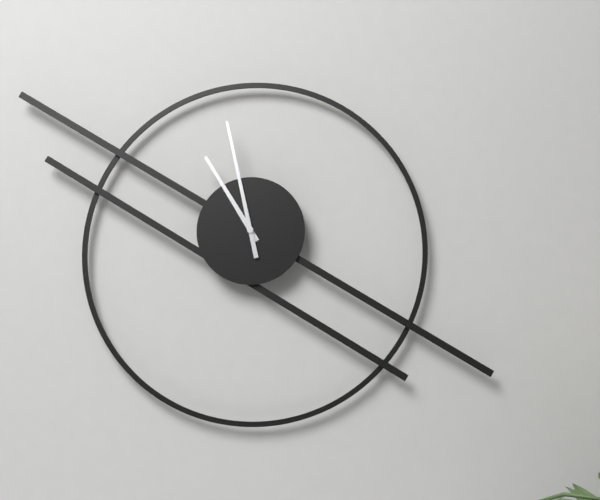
10:58
